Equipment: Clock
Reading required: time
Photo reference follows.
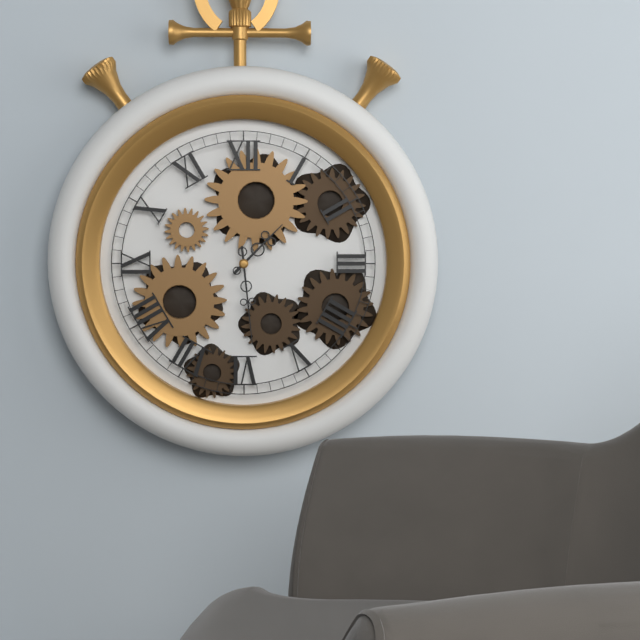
1:29
